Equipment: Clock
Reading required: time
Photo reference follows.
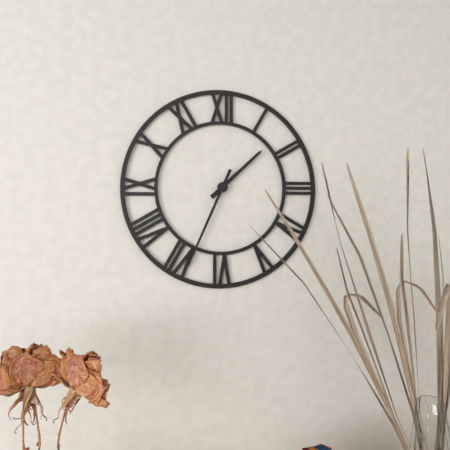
1:34
